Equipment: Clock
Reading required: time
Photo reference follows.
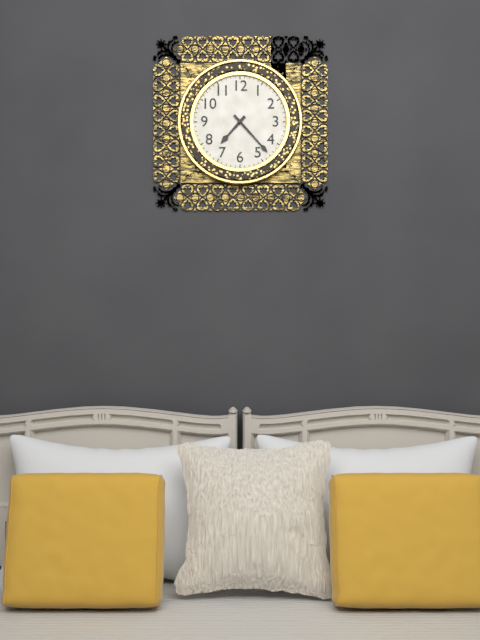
7:23
